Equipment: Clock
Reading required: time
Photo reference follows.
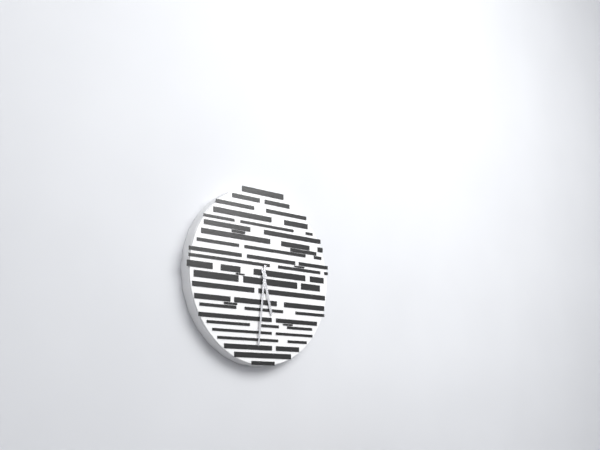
5:31
